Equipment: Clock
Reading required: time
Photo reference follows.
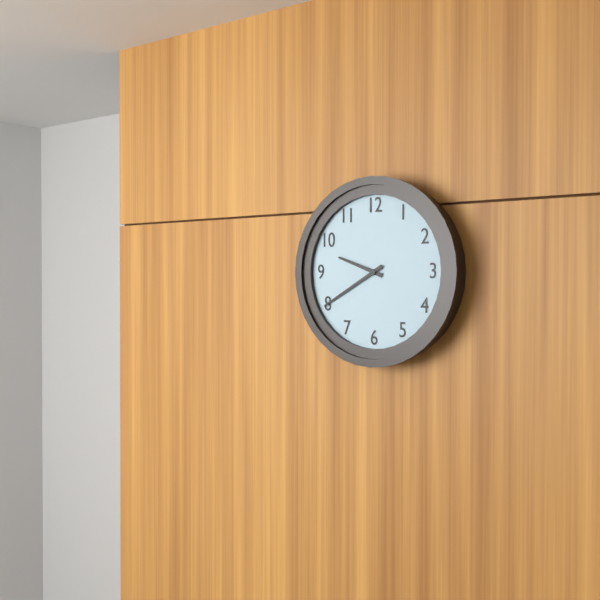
9:40
